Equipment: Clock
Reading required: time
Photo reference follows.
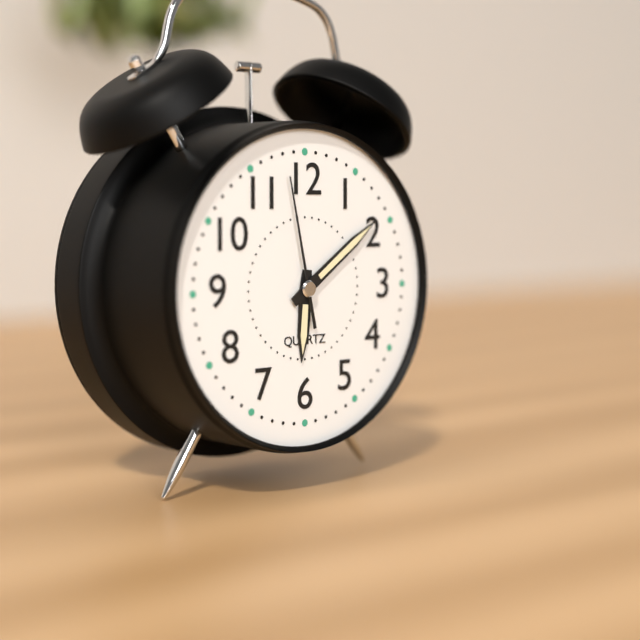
6:09:58
